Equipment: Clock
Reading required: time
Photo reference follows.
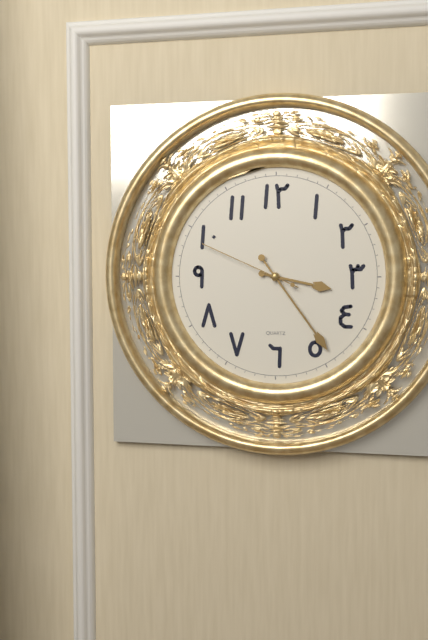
3:24:49
